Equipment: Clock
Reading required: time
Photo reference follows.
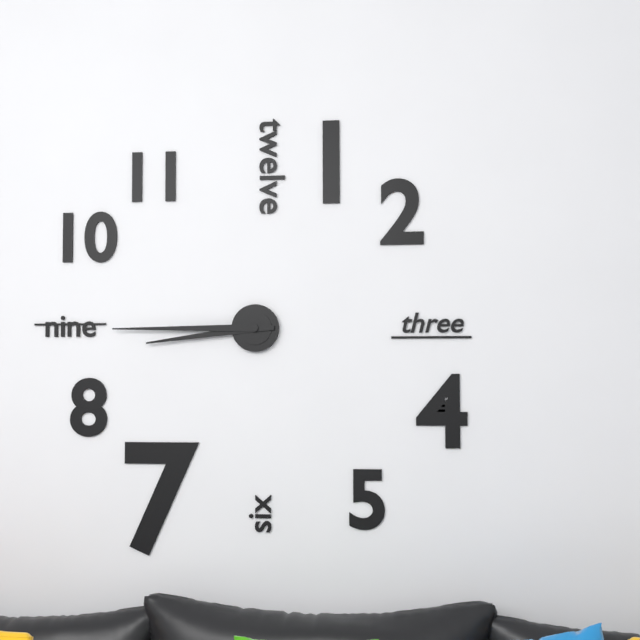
8:45
